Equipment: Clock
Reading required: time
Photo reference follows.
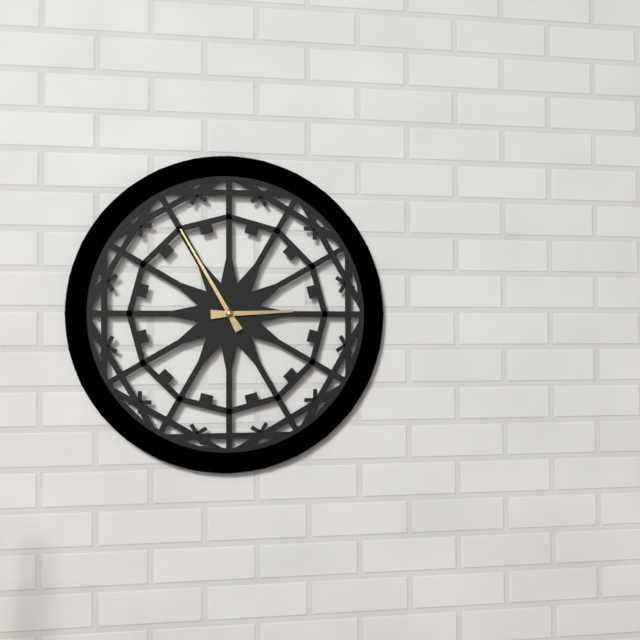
2:55
